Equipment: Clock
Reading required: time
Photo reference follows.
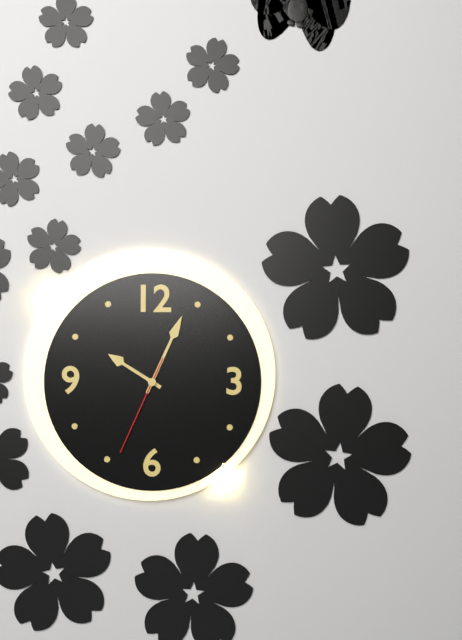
10:04:34
